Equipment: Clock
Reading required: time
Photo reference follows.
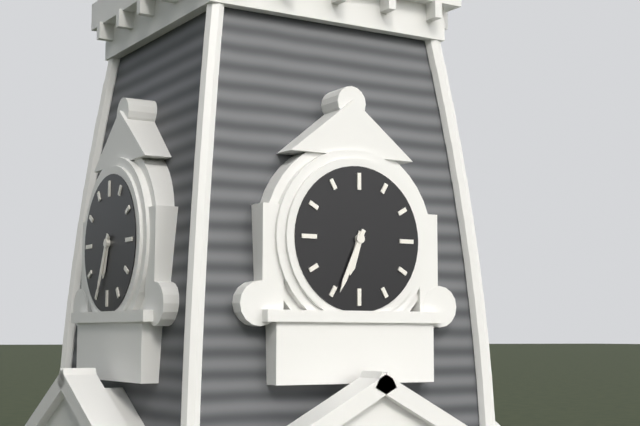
6:34
